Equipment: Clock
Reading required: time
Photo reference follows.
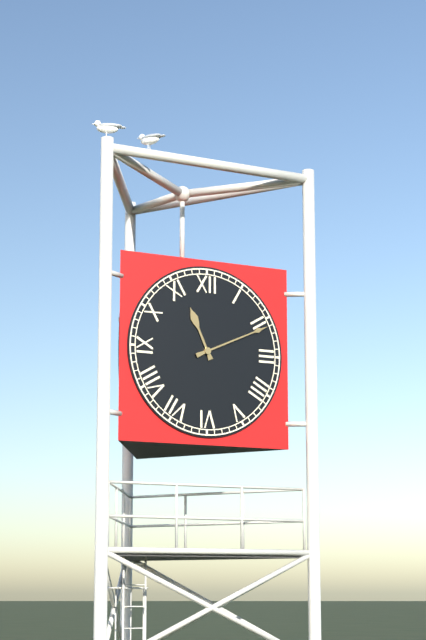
11:11
